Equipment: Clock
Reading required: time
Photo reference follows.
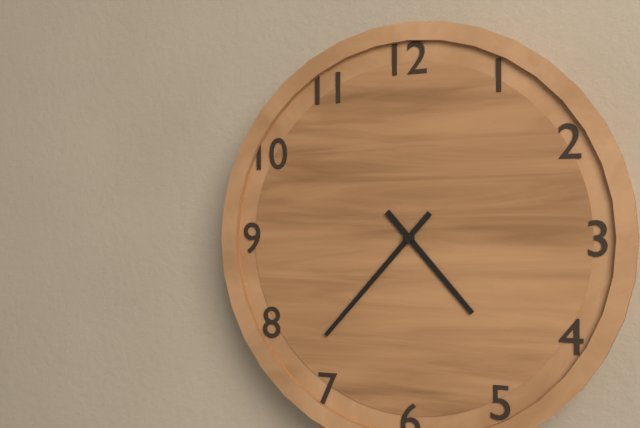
4:37
